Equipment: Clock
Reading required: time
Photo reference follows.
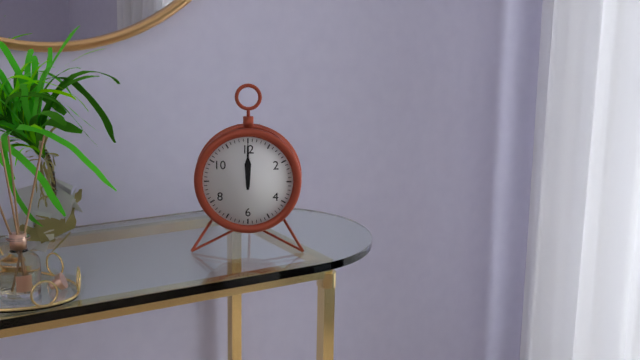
12:00
